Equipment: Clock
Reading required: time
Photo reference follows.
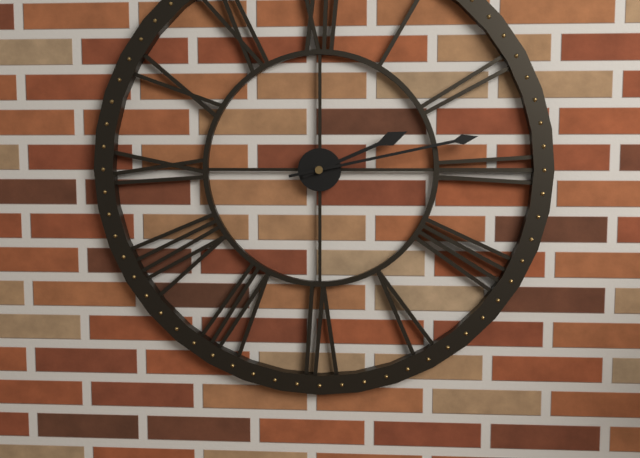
2:13
